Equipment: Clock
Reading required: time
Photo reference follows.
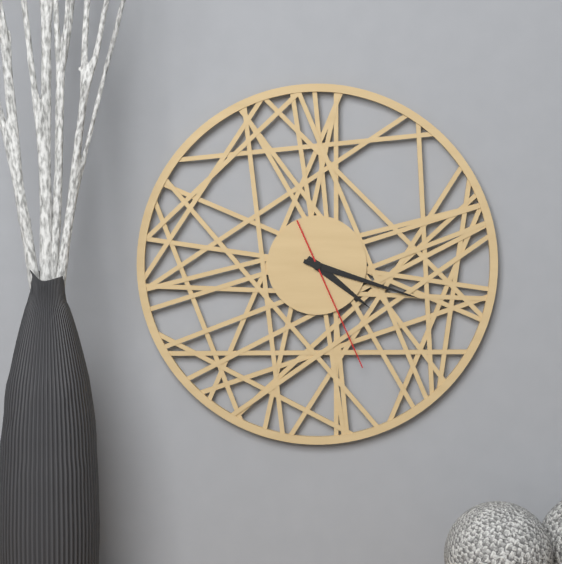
4:18:26
